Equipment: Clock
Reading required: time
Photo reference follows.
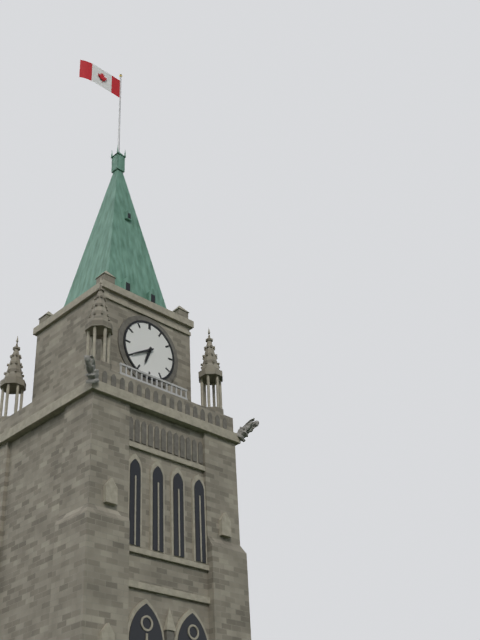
6:40
